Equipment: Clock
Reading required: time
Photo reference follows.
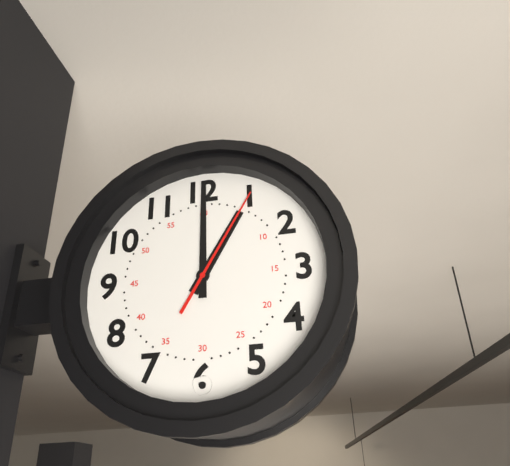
1:00:05
